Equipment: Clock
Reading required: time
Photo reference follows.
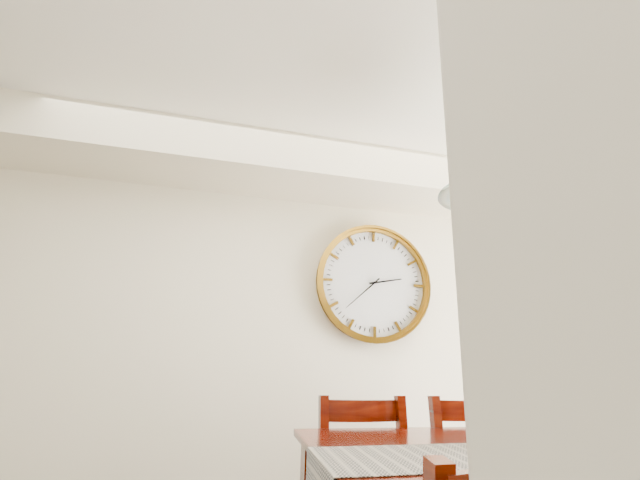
2:38
